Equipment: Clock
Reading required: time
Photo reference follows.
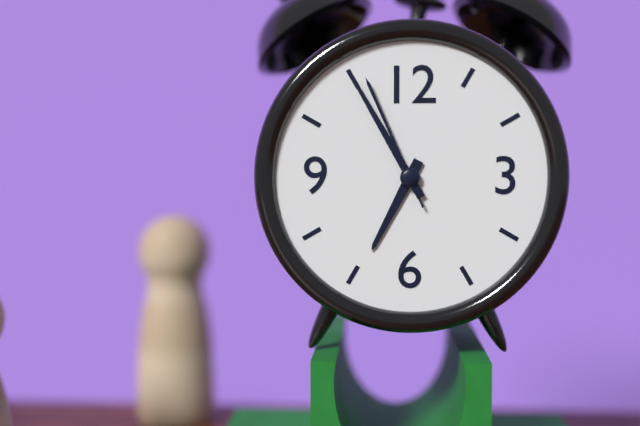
6:55:56
